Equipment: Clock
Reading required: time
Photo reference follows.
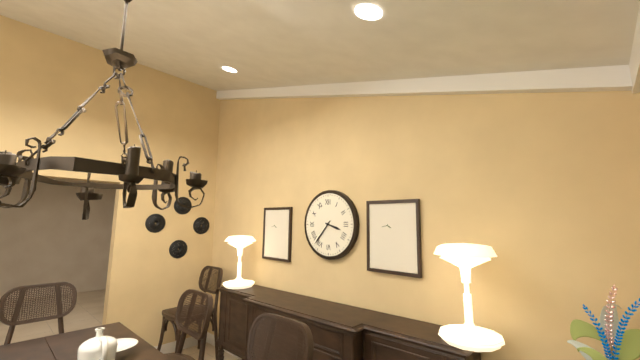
3:37
